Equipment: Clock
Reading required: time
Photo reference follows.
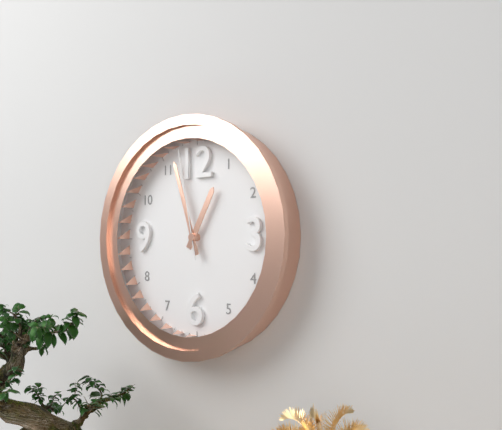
12:57:58
